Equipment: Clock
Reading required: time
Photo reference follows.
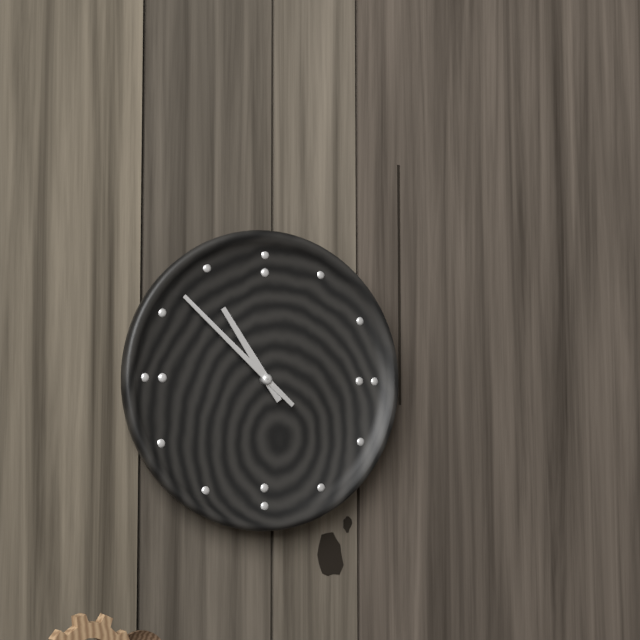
10:52
